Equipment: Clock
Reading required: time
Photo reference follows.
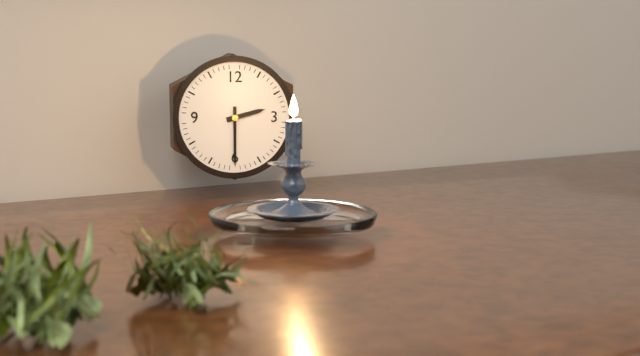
2:30
